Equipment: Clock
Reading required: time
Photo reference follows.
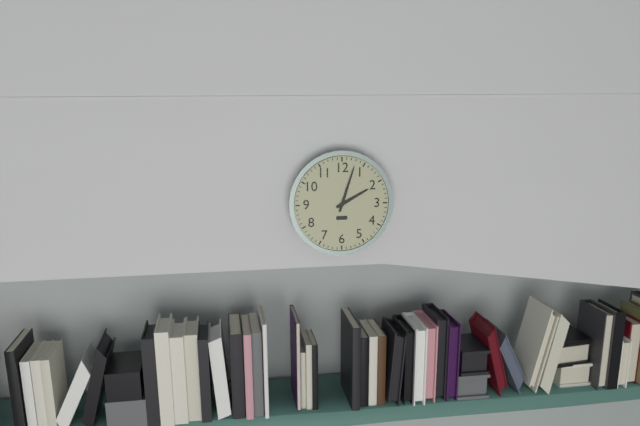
2:03
